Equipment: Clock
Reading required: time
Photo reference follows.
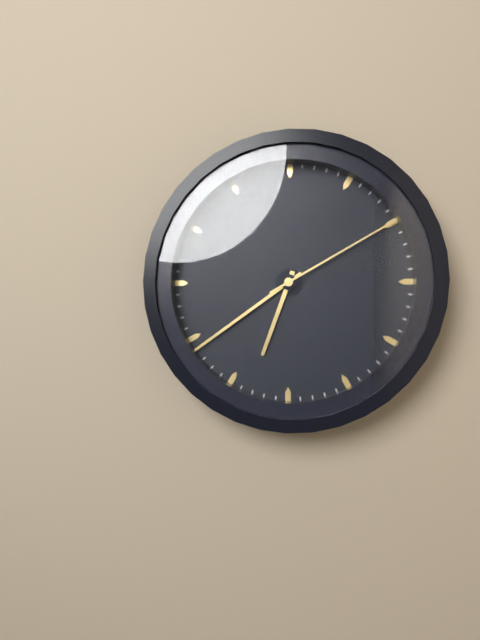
6:39:10
